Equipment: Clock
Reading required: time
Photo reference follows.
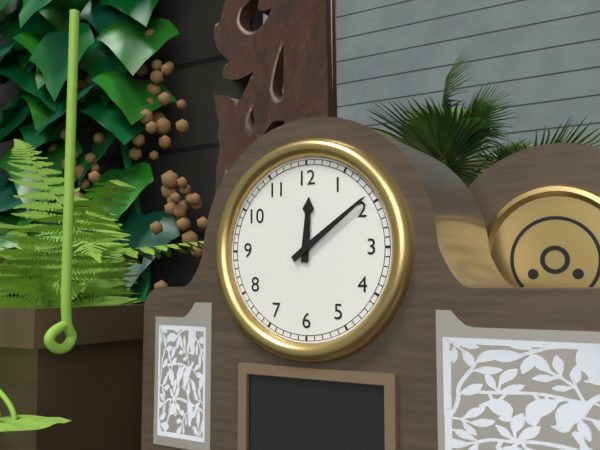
12:09
